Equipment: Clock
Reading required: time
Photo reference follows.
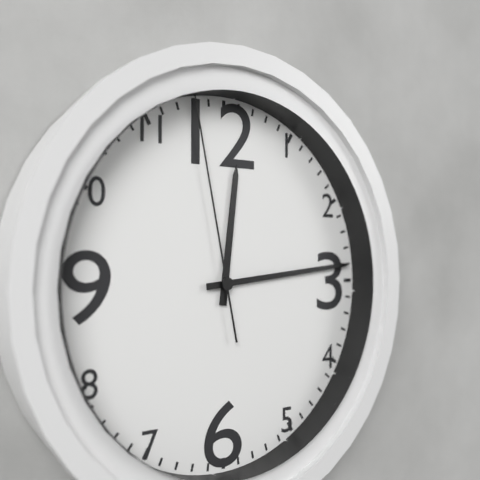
12:14:58
